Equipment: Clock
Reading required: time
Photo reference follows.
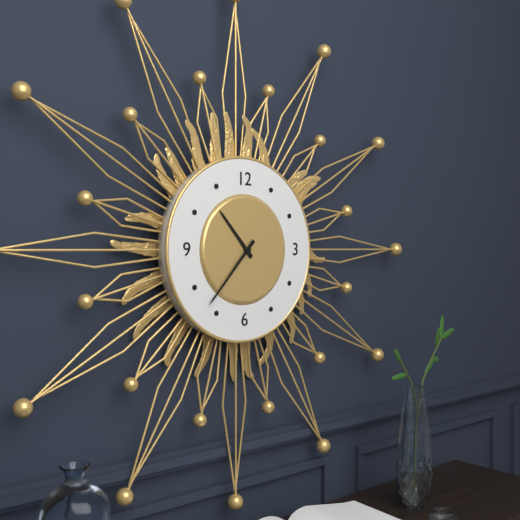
10:37
